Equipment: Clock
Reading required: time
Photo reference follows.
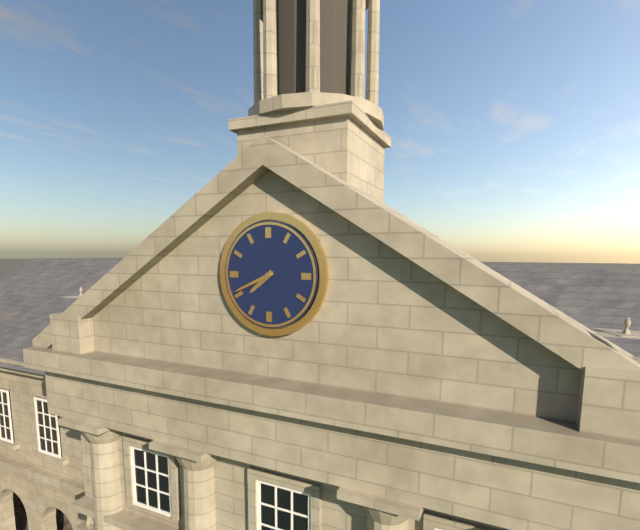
7:41
